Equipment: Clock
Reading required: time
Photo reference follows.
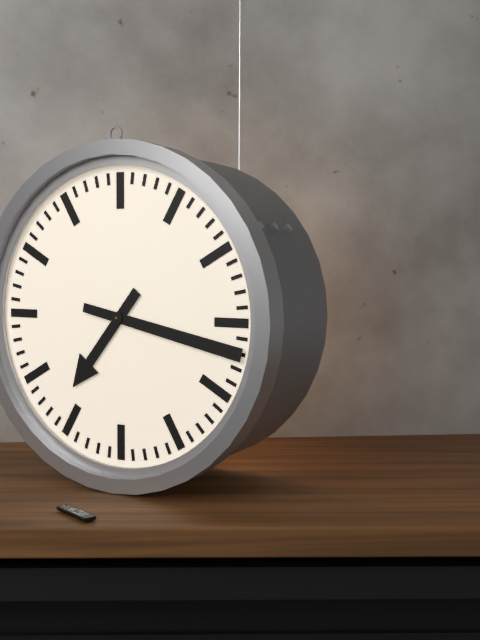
7:17
